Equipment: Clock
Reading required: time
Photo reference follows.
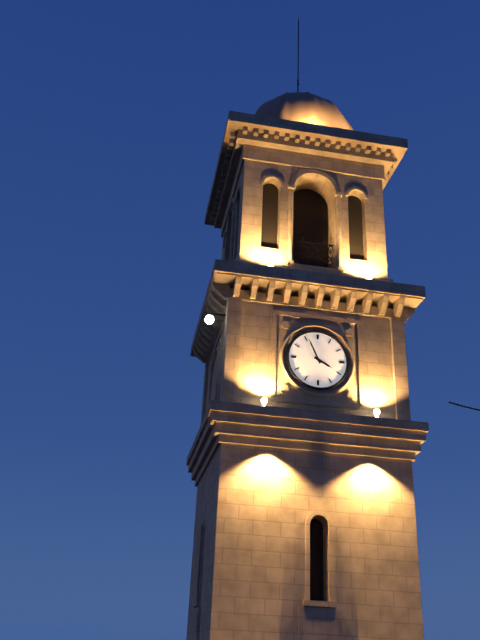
3:56
